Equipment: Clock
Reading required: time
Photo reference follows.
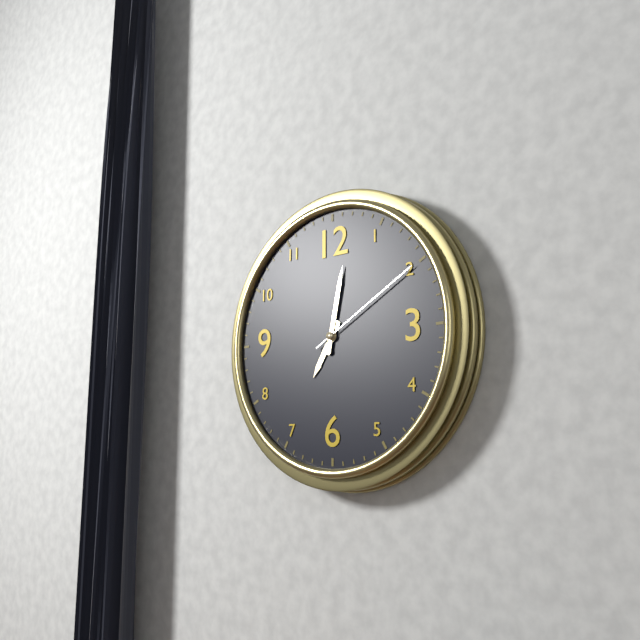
7:02:10
